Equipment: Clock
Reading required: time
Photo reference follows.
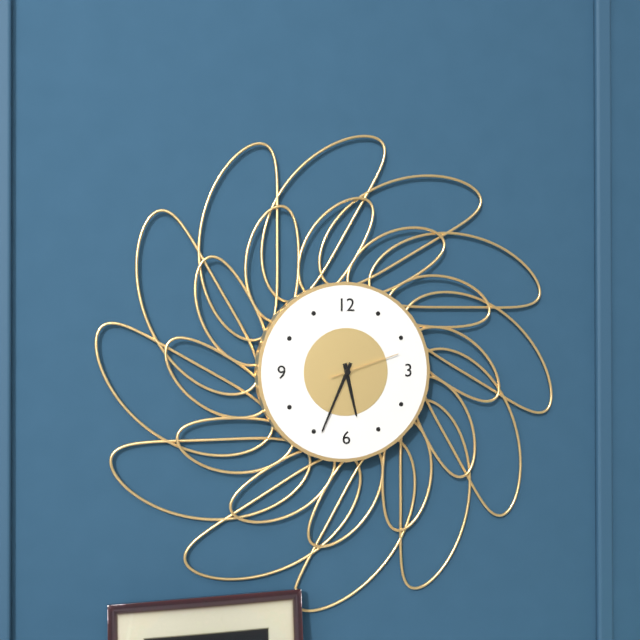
5:34:12
